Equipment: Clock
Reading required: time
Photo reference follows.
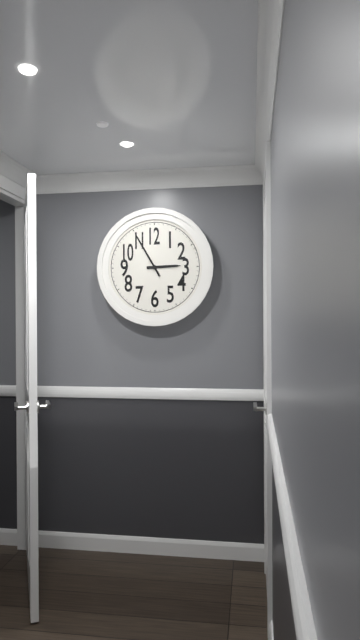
2:55
